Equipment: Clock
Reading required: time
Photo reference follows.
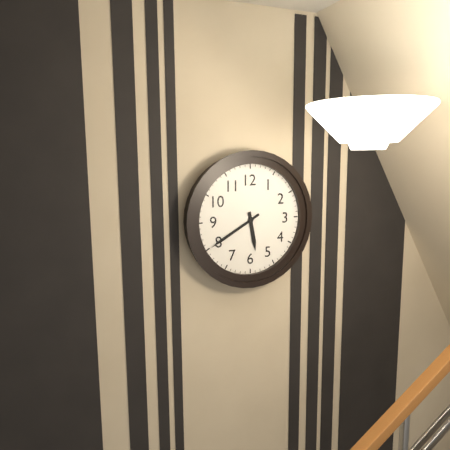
5:40
